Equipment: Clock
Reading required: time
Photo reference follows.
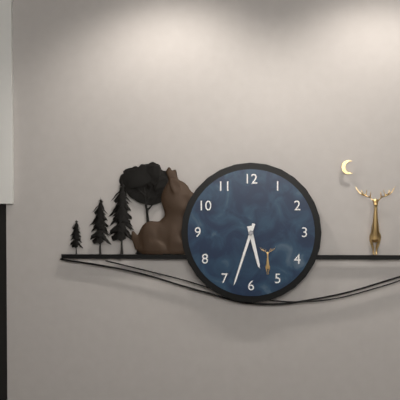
5:33
